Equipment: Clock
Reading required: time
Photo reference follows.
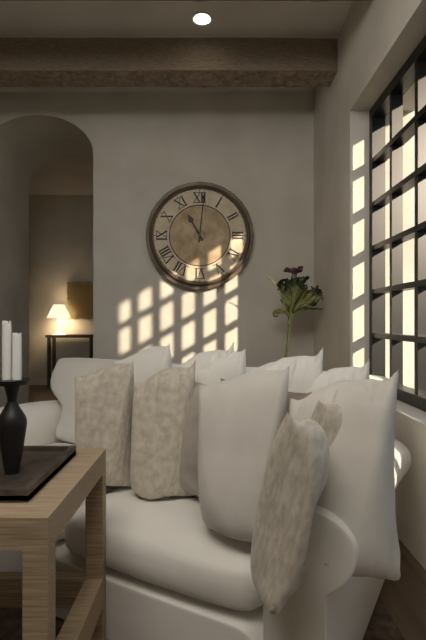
11:01
